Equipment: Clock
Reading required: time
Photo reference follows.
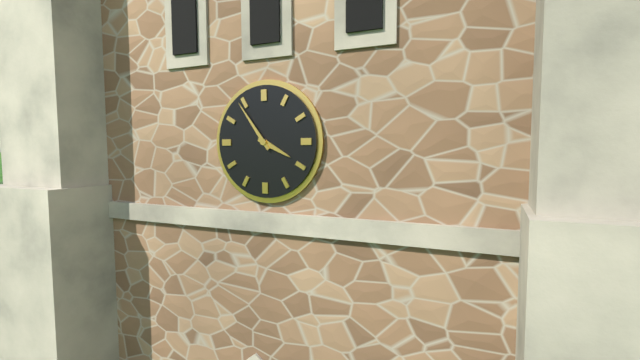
3:54
